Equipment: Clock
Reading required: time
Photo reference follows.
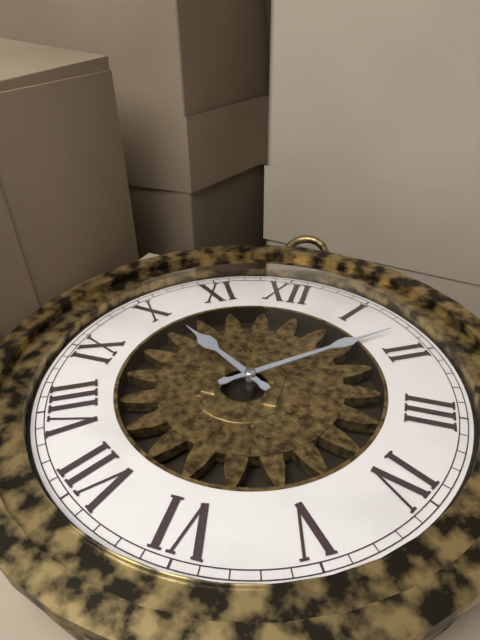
10:08
